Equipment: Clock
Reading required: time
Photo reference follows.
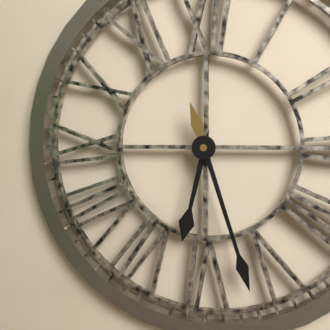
6:27
